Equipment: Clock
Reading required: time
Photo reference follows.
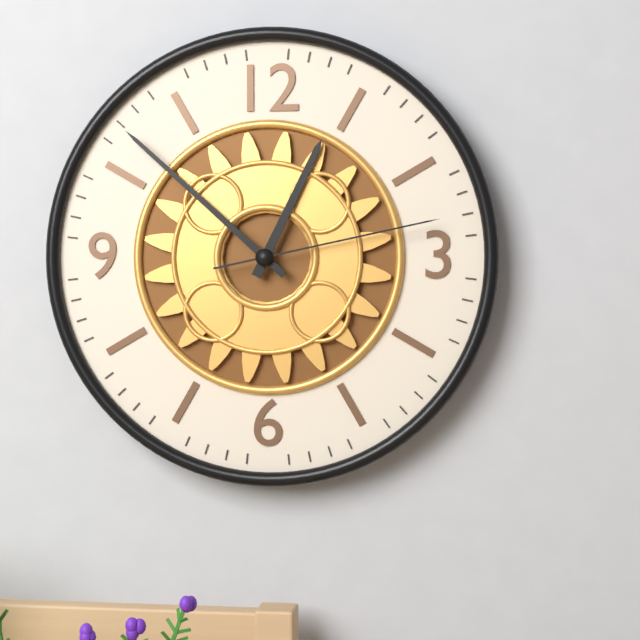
12:52:13
